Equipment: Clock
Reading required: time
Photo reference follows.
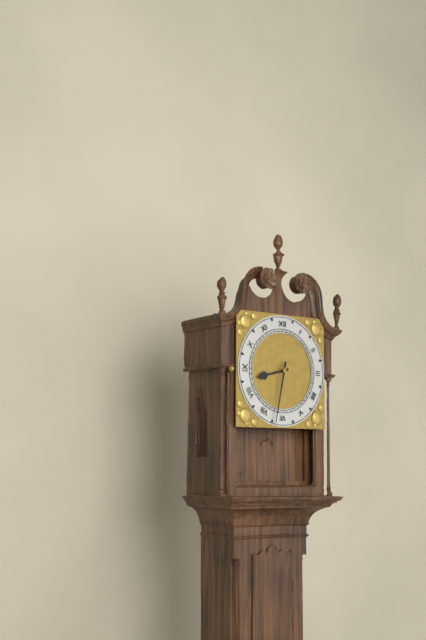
8:32
